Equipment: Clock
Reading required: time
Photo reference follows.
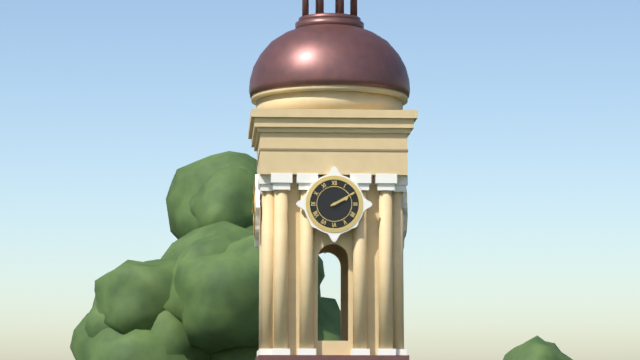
2:10
